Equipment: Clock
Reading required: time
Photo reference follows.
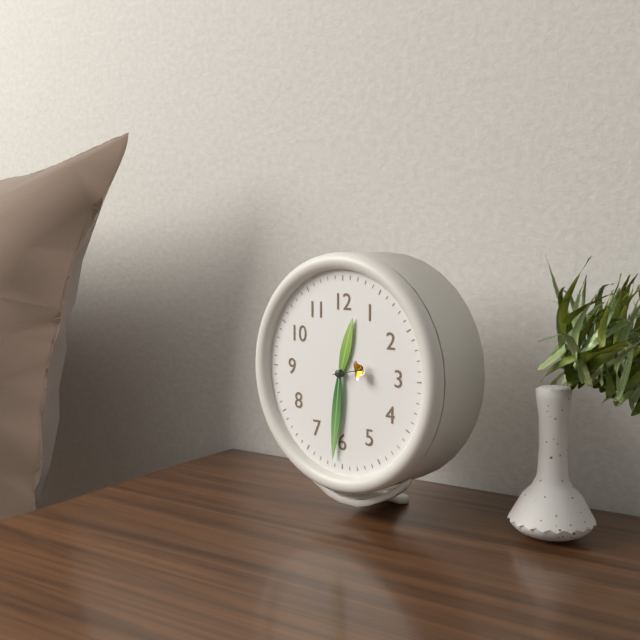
12:31
